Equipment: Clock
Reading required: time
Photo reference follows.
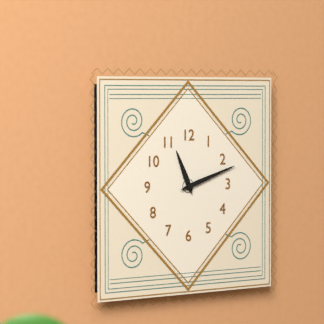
11:12
